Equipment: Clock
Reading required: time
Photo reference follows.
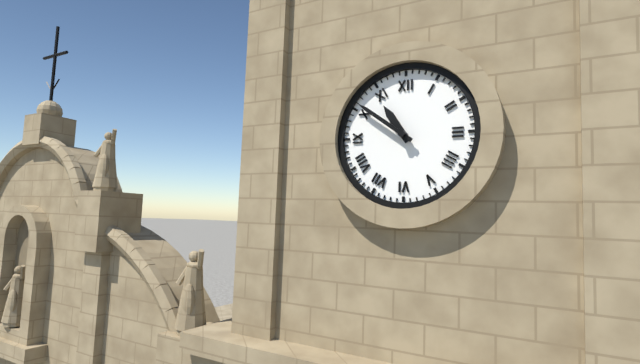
10:51
